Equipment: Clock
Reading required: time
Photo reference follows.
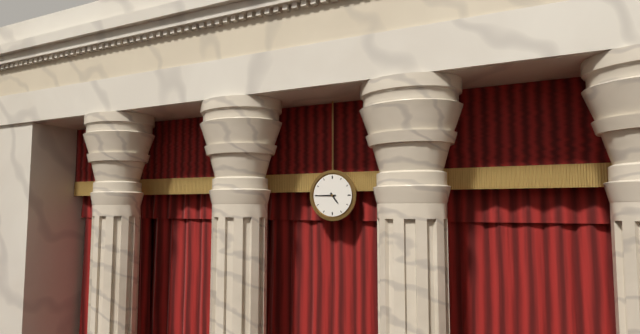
4:45
